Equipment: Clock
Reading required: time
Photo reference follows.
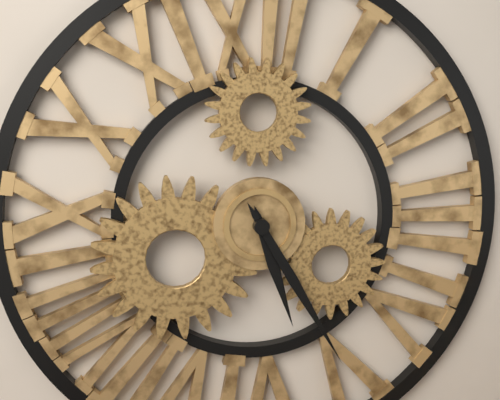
5:25
